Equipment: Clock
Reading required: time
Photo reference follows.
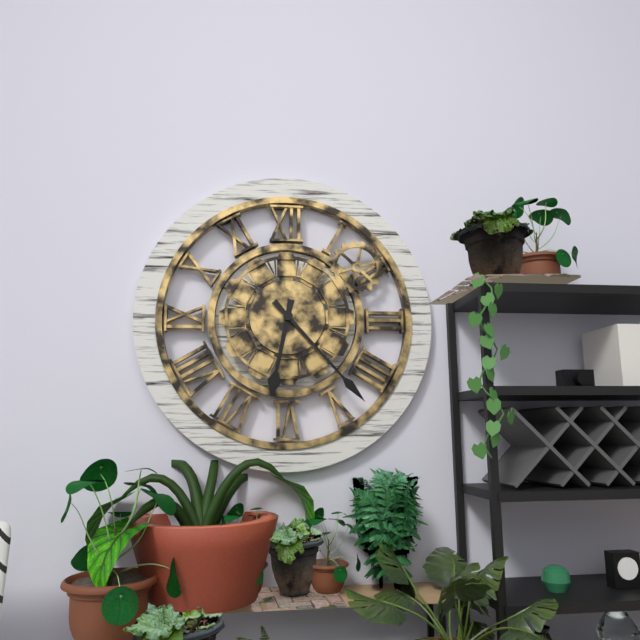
6:23
